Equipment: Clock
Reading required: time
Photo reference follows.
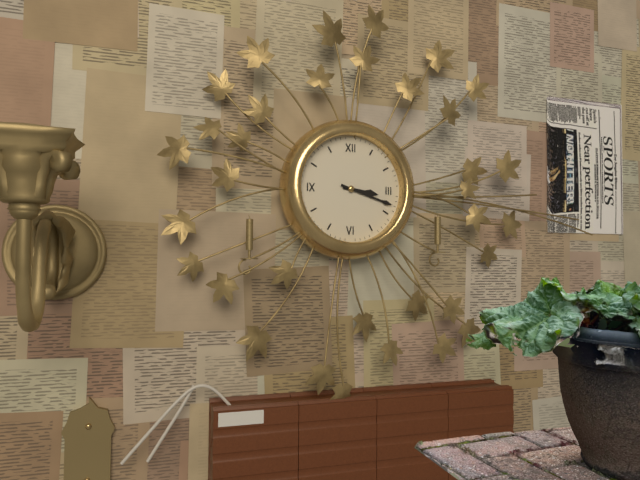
3:18
